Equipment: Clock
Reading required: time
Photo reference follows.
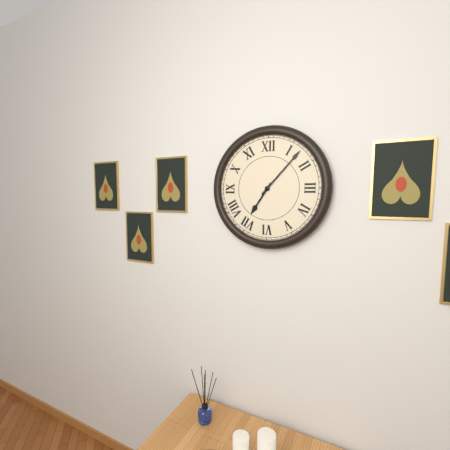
7:07
